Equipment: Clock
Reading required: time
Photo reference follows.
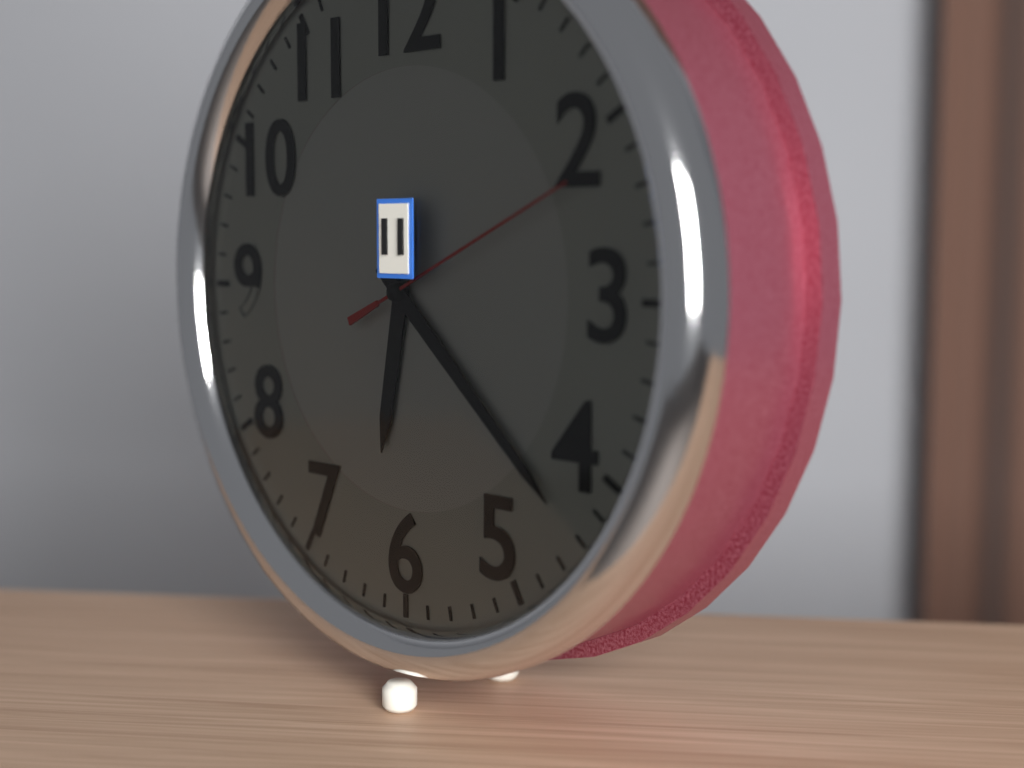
6:22:11
